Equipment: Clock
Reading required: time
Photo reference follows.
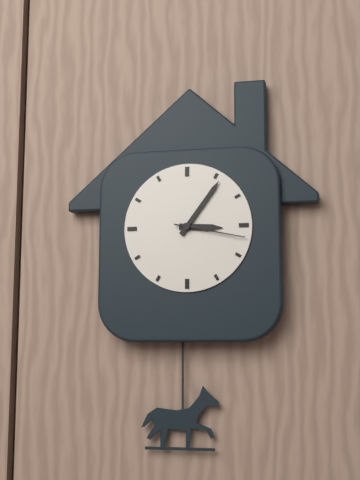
3:06:17
